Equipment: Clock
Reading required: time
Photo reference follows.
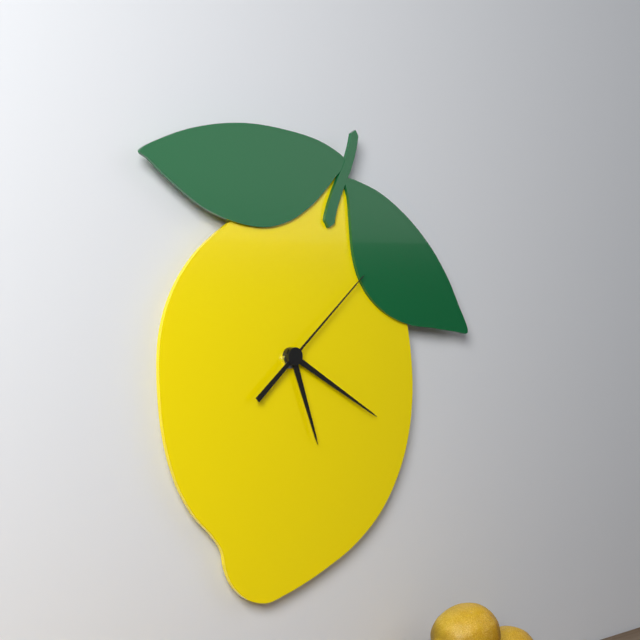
5:20:08
